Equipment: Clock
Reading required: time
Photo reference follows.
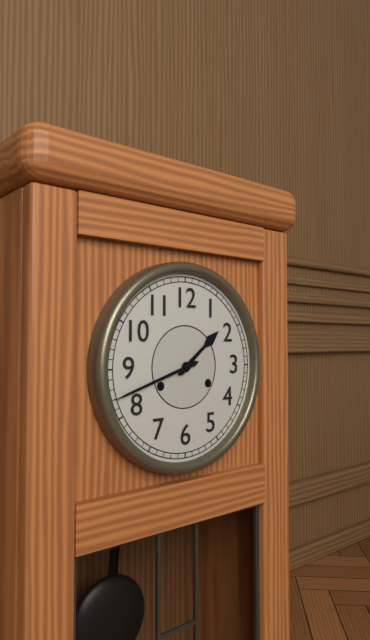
1:42
